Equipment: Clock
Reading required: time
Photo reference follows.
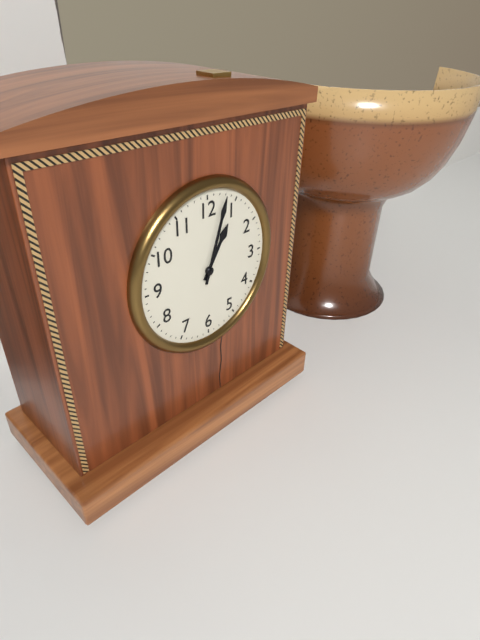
1:03
